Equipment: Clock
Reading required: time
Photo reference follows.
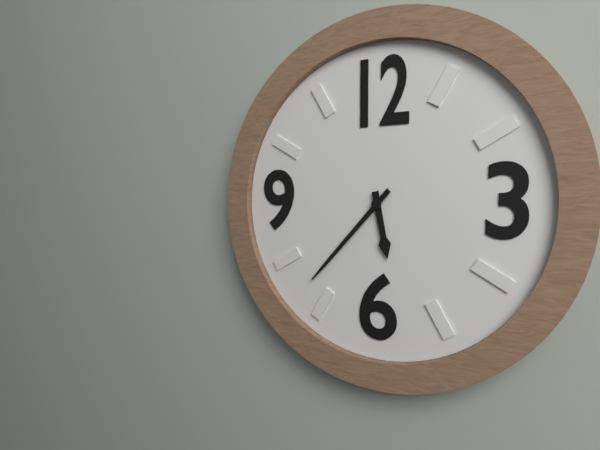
5:37
